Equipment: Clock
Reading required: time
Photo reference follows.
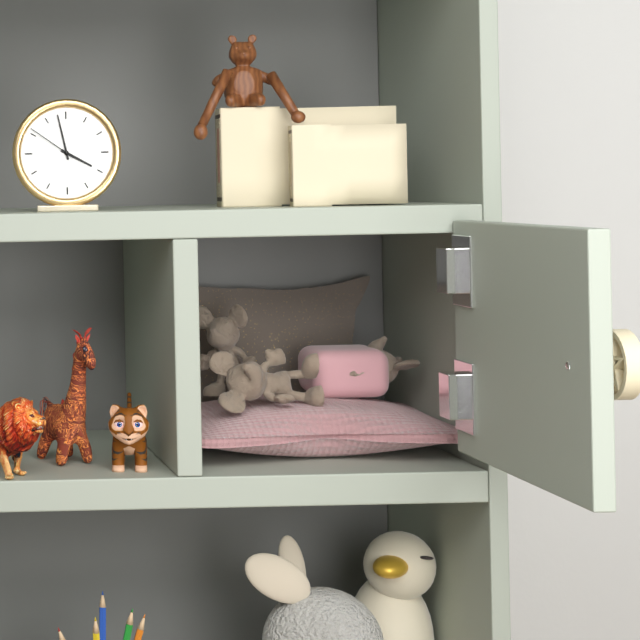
3:58:51
